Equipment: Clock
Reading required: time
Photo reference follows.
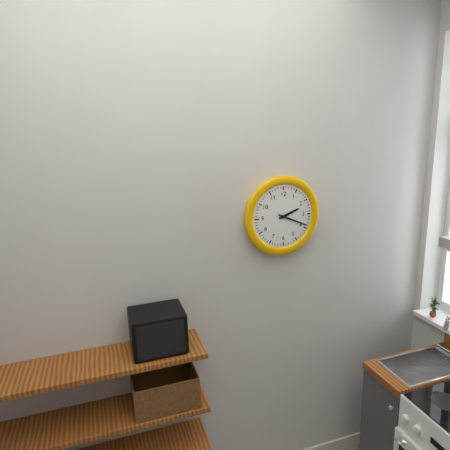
2:19
